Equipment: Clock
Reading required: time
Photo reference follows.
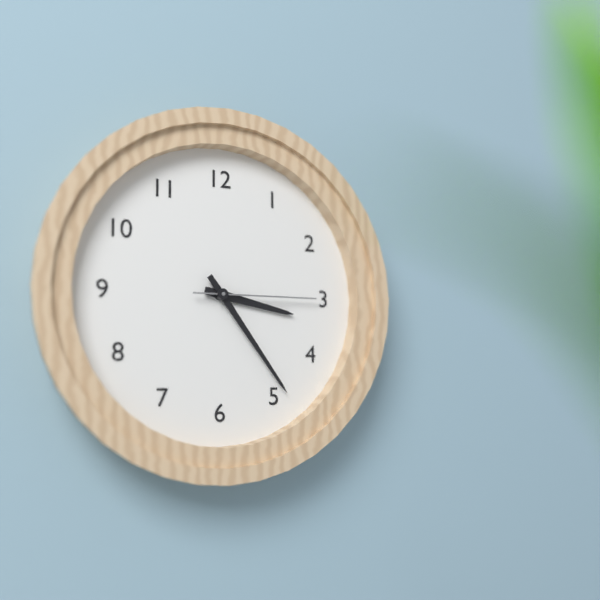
3:24:15
